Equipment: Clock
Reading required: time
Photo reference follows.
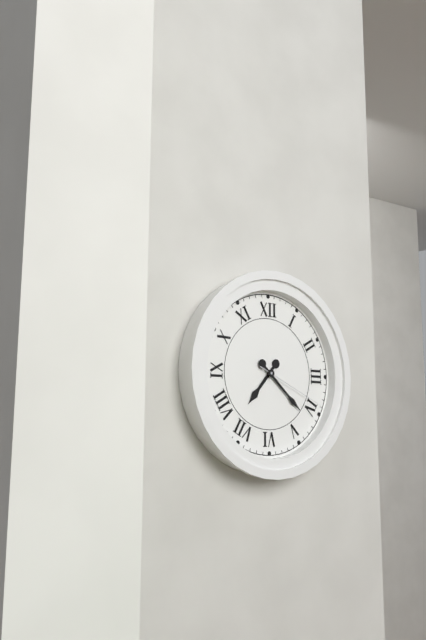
7:22:19
